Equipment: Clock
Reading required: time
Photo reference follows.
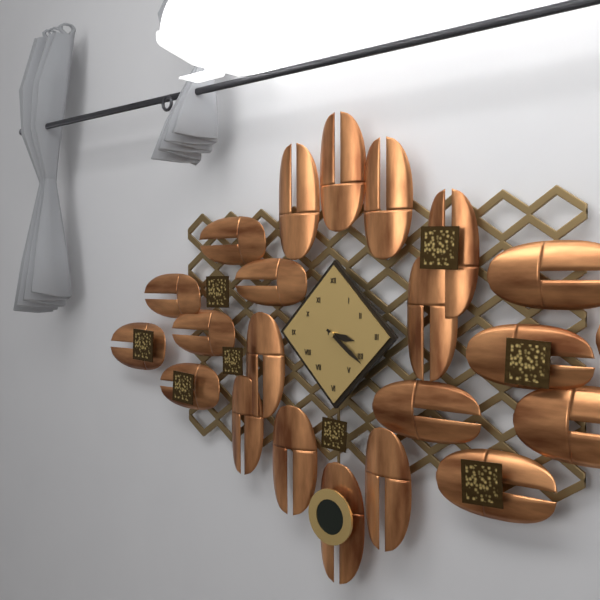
3:21
